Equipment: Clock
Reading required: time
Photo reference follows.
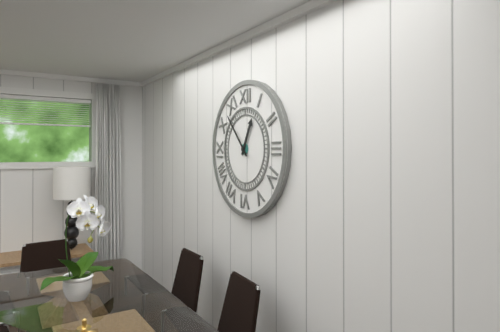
12:53
